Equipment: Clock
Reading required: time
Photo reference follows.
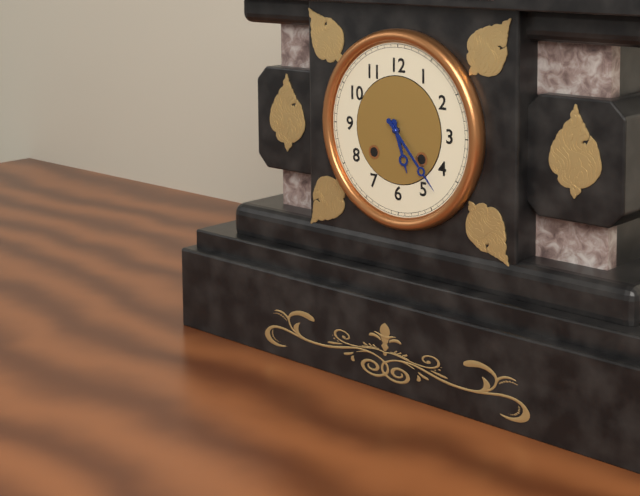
5:23
